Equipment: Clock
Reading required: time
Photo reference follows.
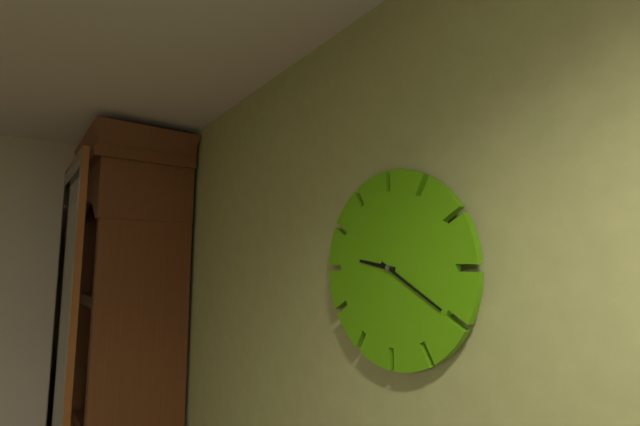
9:20
